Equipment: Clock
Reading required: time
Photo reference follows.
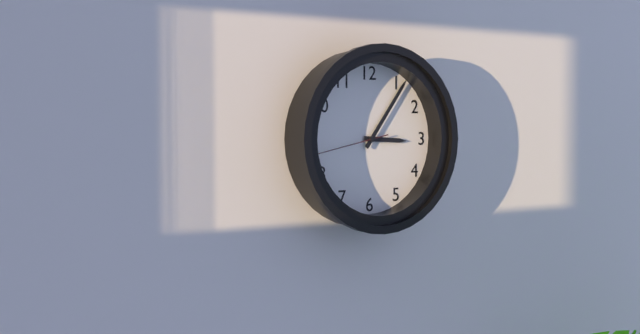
3:06:43
